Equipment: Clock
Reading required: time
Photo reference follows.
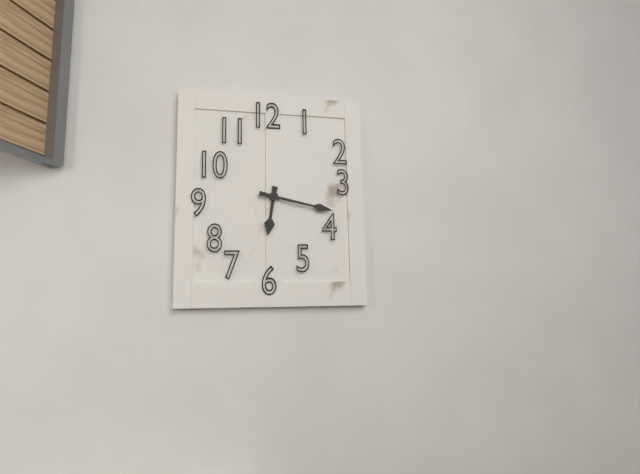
6:17
